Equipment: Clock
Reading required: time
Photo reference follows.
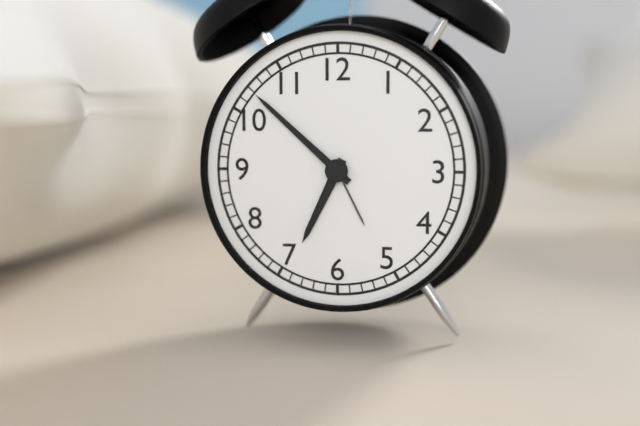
6:52
